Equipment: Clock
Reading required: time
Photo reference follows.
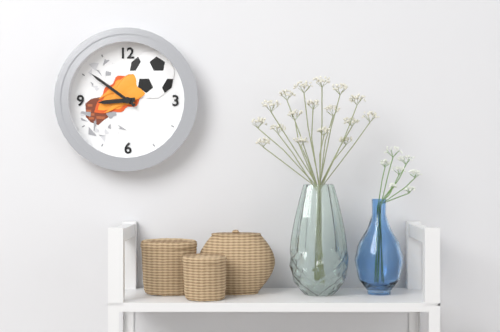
8:51
